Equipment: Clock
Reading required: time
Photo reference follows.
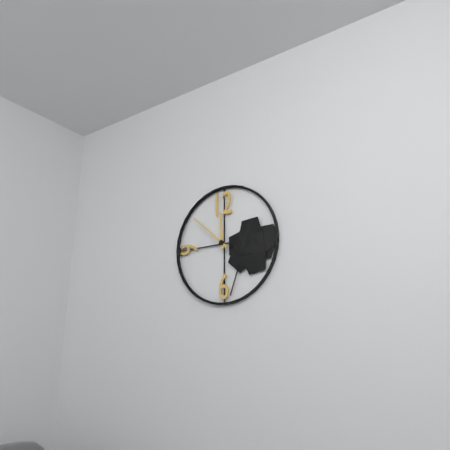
11:52
